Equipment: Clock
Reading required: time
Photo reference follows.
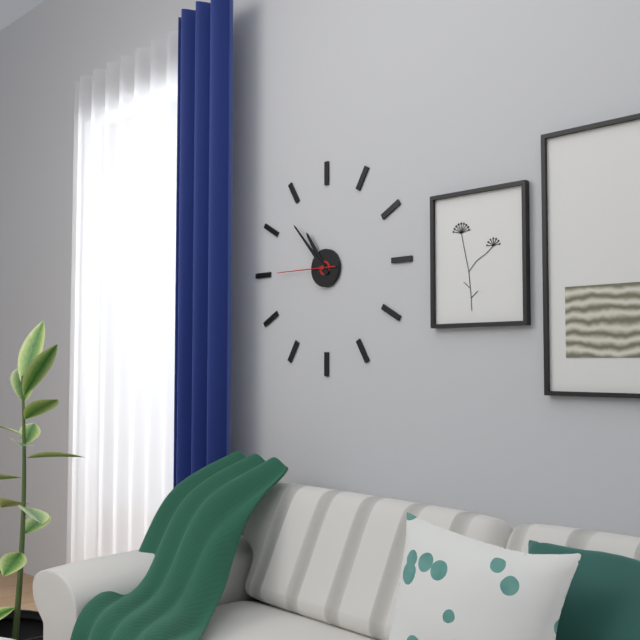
10:53:45
